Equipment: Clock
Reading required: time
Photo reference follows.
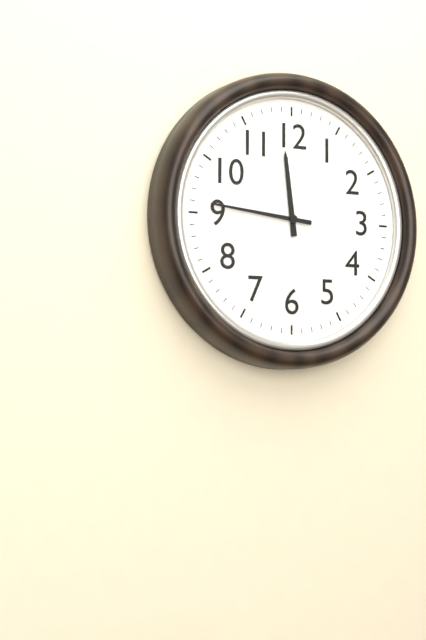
11:46
